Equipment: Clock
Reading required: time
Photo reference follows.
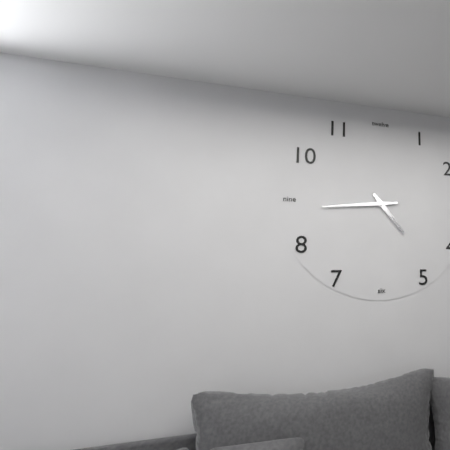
4:44
